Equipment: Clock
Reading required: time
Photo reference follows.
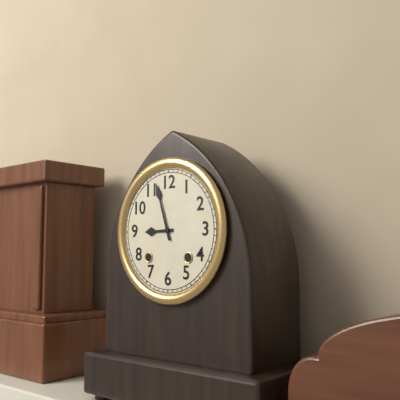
8:57
